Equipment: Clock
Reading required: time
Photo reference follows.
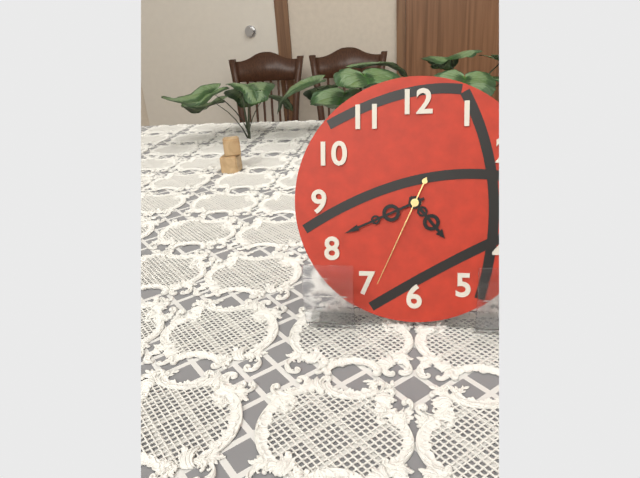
4:41:34
